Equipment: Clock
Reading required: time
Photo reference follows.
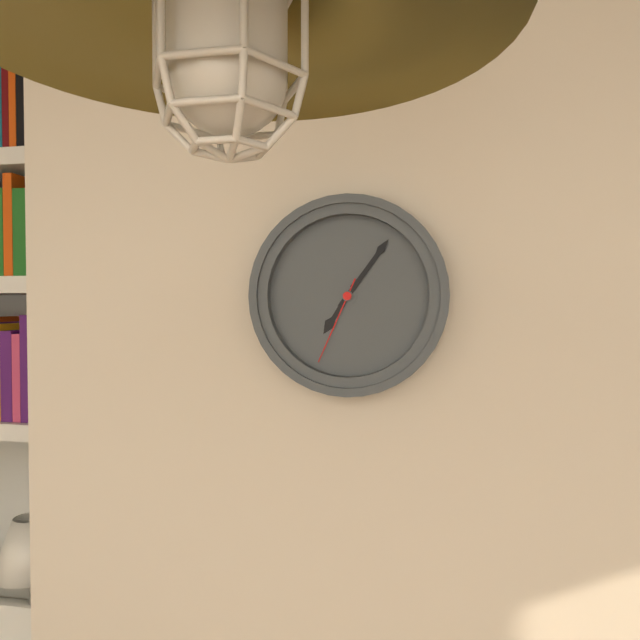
7:06:34
